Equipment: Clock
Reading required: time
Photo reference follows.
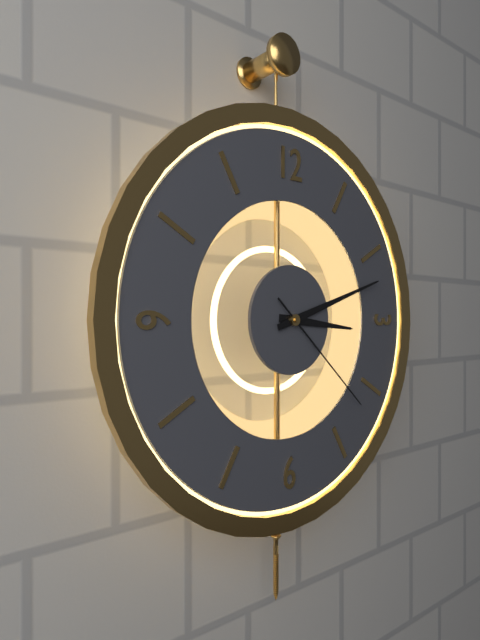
3:12:22
